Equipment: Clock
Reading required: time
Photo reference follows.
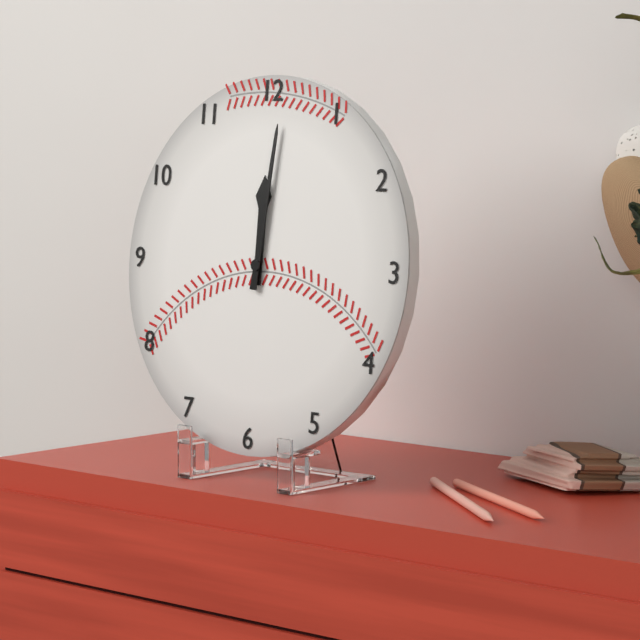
12:01
